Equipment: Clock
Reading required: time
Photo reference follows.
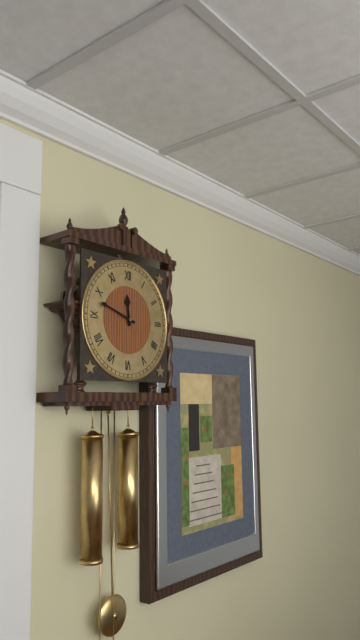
11:48
